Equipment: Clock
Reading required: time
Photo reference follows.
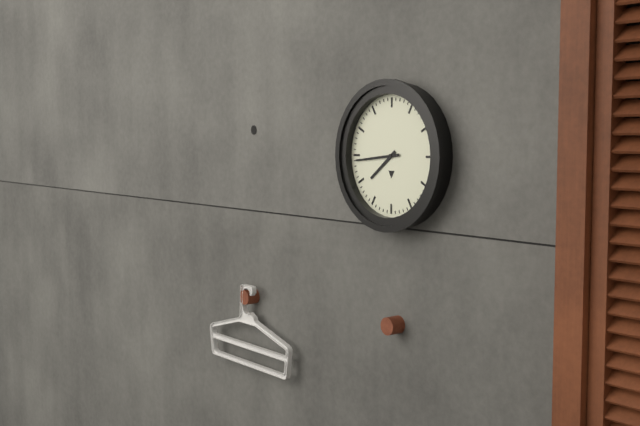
7:44
